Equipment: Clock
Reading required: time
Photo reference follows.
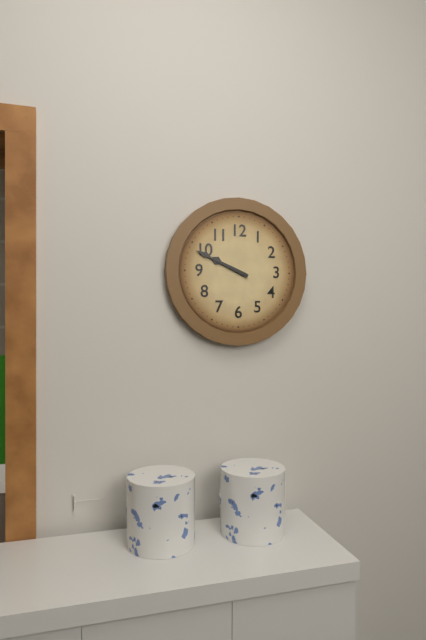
9:49
